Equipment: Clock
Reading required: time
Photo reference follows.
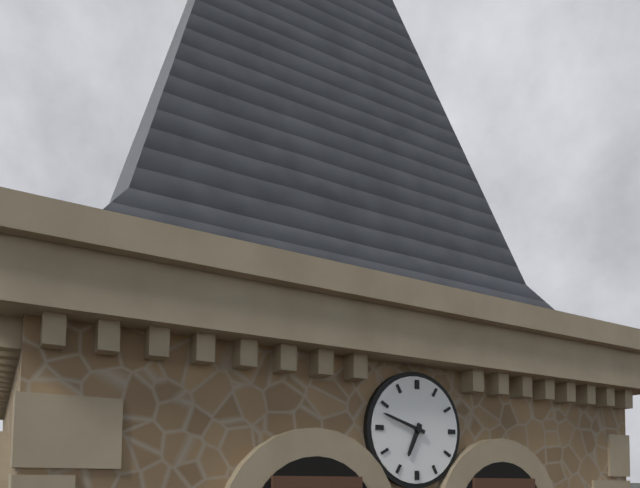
6:48
